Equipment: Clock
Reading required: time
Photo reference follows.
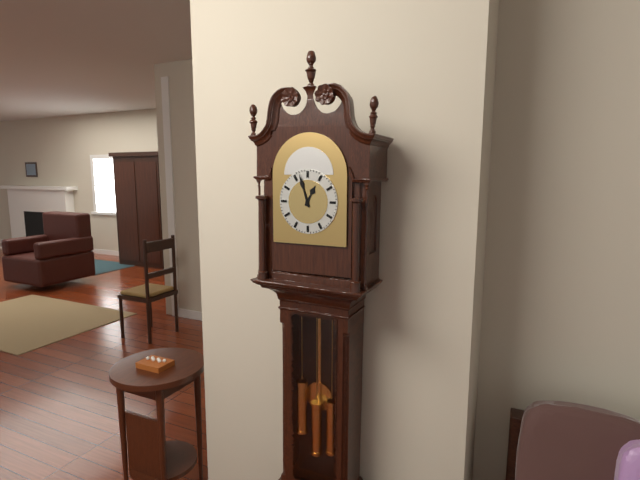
12:57
